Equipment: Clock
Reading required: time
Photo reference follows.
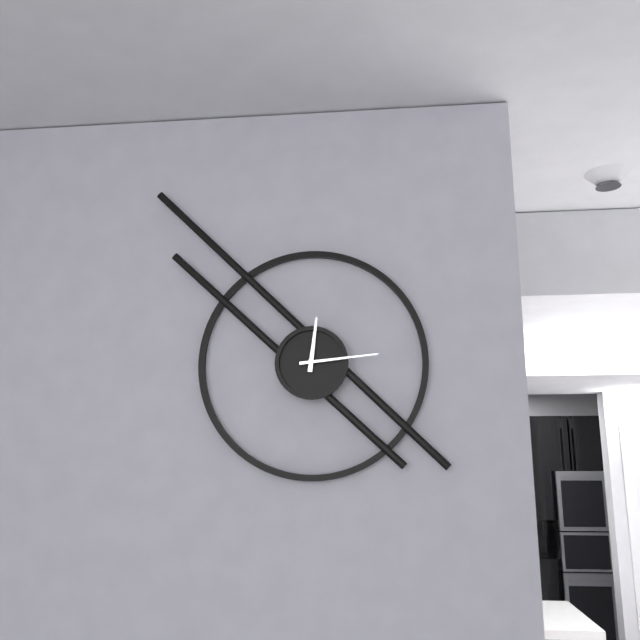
12:14
